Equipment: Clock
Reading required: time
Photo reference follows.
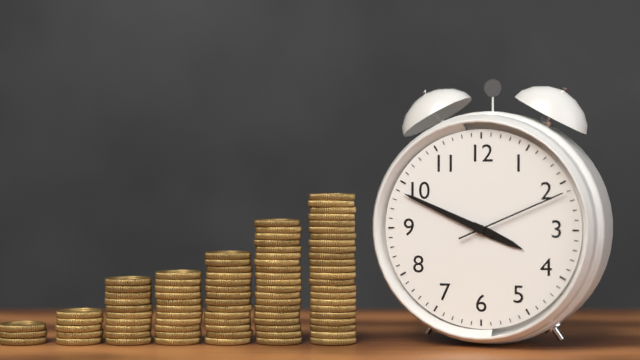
3:49:11
